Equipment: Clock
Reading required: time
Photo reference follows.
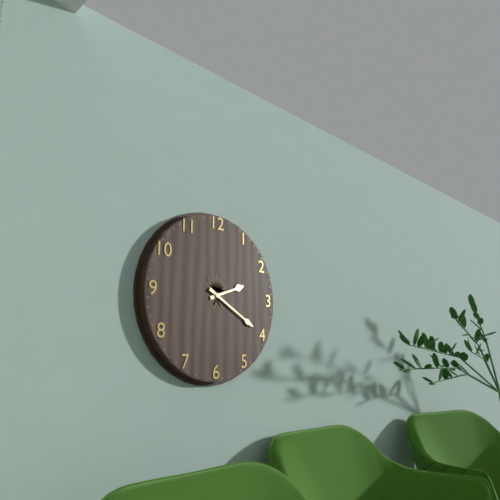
2:20
